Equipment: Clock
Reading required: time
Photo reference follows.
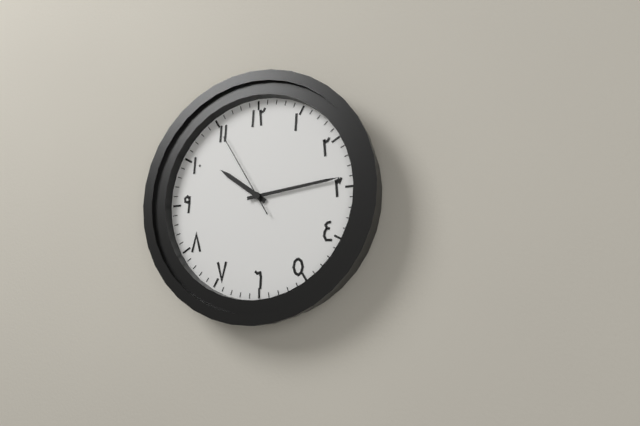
10:14:55
